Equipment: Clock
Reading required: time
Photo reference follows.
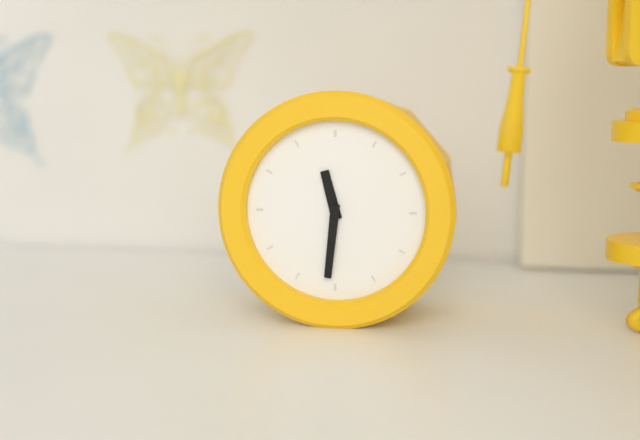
11:31
